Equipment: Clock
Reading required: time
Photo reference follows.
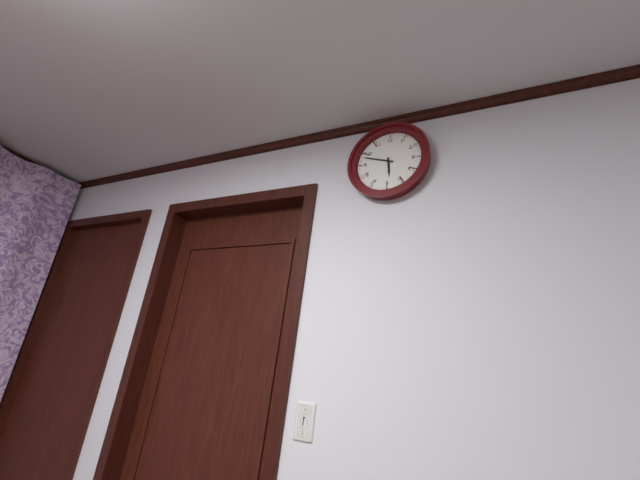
5:48
